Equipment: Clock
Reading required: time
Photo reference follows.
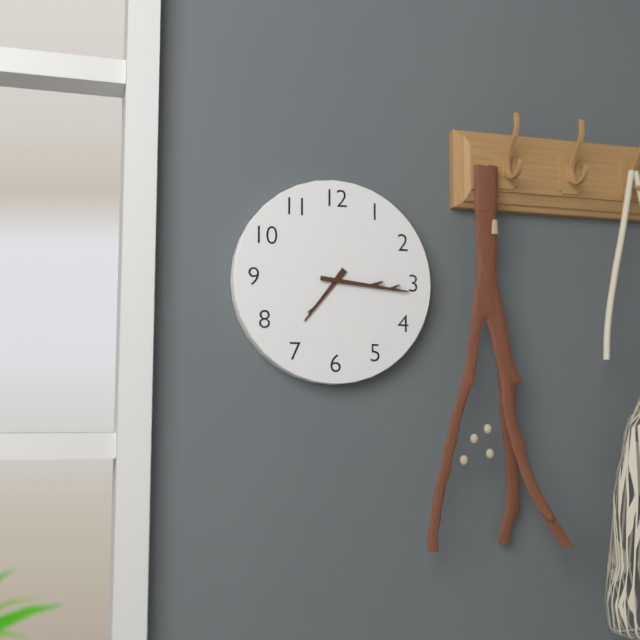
7:16
